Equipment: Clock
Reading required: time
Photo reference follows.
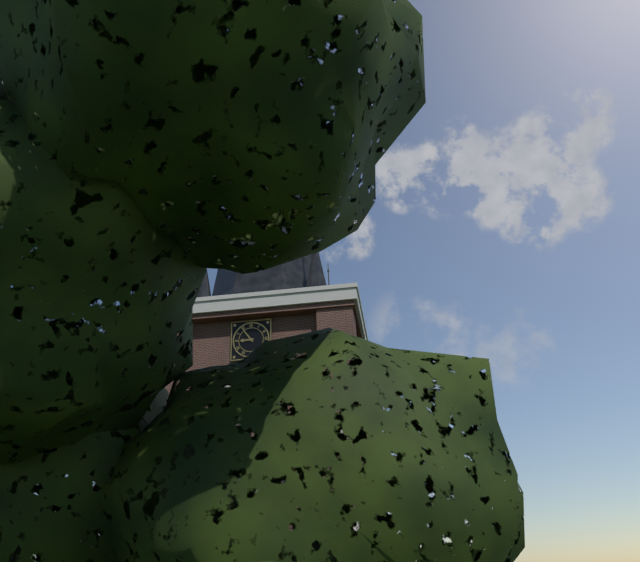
8:54
